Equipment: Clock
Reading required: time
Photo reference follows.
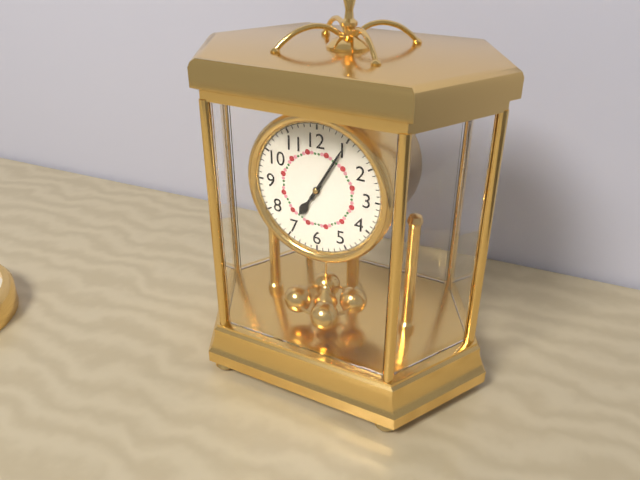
7:05
